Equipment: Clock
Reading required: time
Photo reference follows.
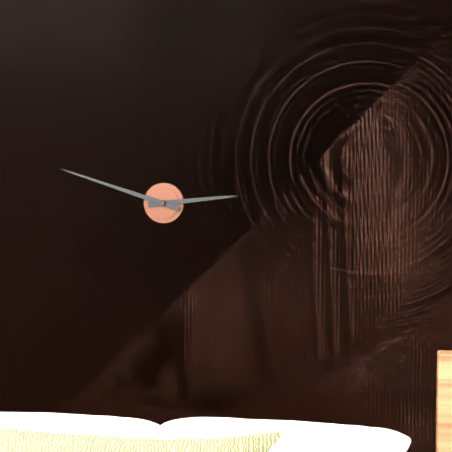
2:48
